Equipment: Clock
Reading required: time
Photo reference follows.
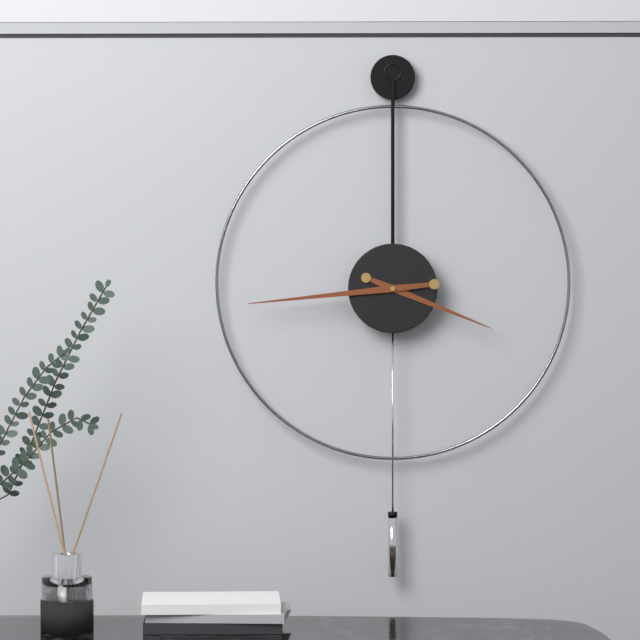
3:44
